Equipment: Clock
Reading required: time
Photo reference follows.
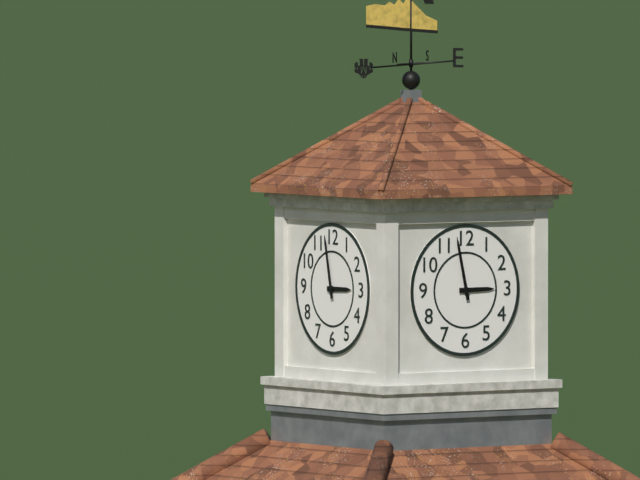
2:58
